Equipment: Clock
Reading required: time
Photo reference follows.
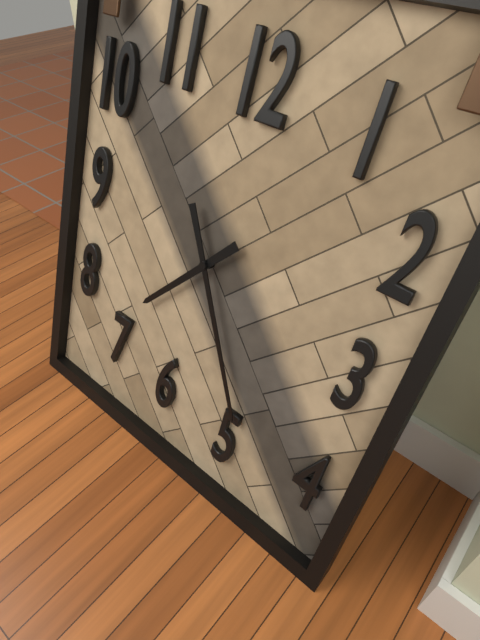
7:25
